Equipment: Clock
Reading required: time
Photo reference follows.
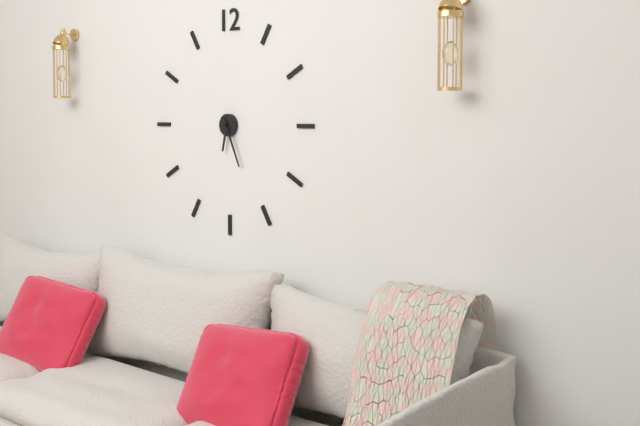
6:26
